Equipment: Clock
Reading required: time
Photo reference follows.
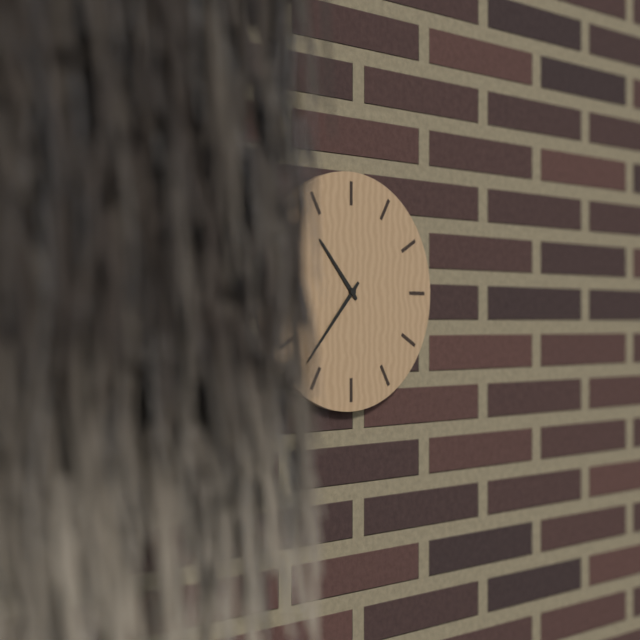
10:37
